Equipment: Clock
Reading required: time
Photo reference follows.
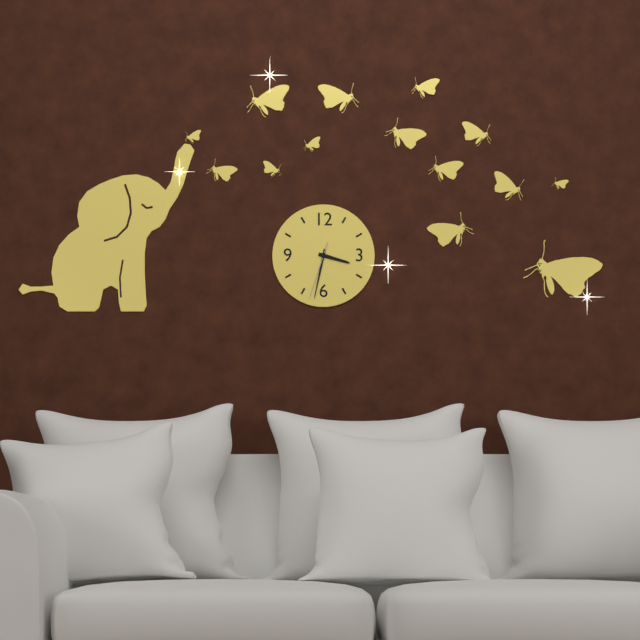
3:32:33
